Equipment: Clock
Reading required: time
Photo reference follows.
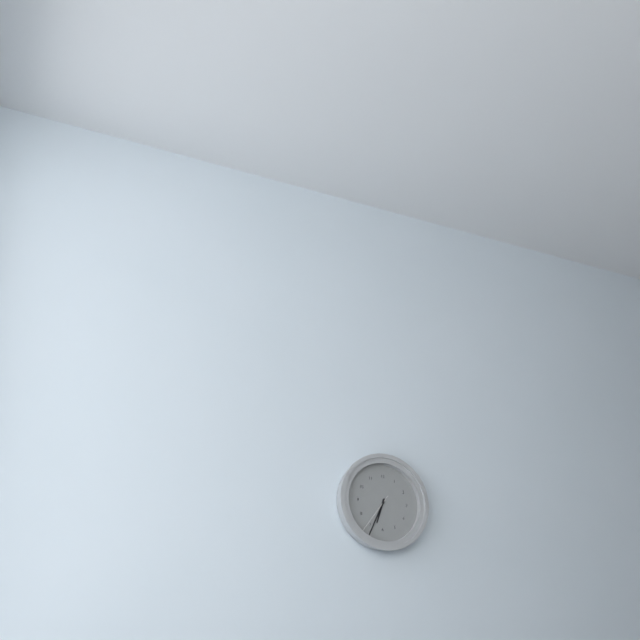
6:34
